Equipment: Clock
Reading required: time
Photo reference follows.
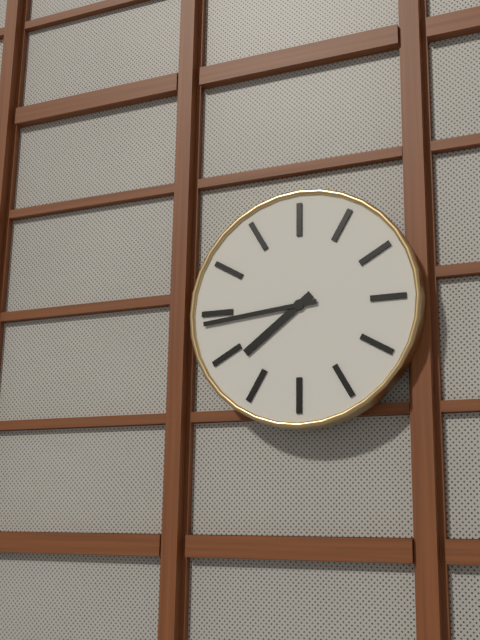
7:44
